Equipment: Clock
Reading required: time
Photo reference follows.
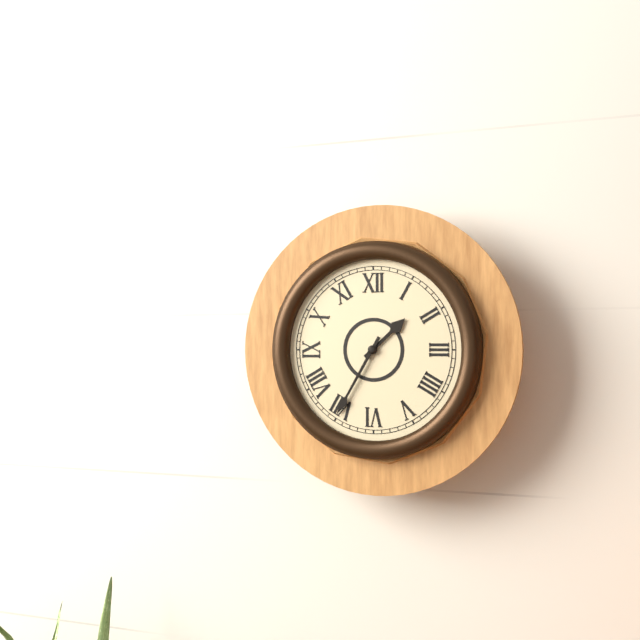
1:35
